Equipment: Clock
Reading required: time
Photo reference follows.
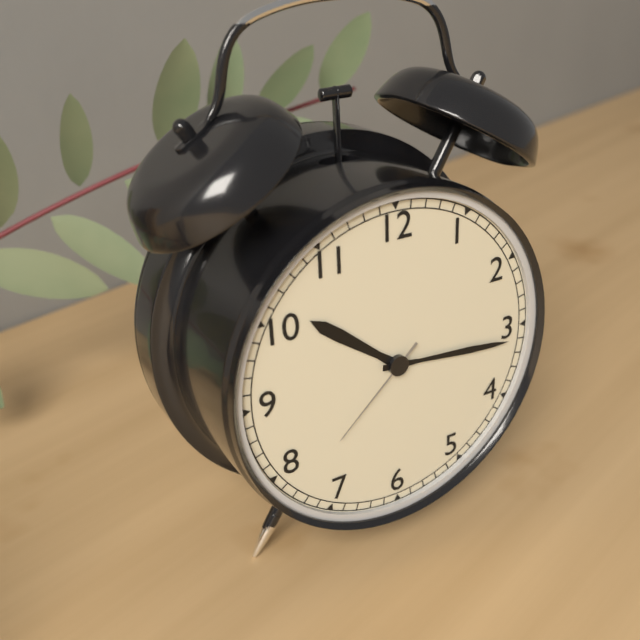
10:16:38
